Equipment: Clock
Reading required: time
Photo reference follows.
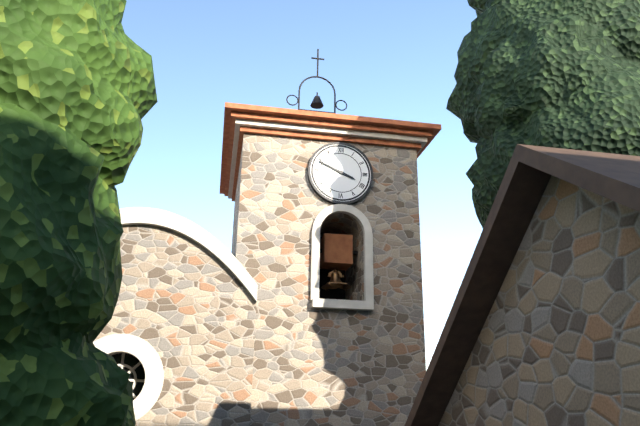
3:49
